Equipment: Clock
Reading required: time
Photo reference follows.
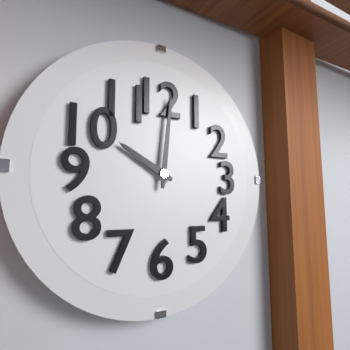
10:01
